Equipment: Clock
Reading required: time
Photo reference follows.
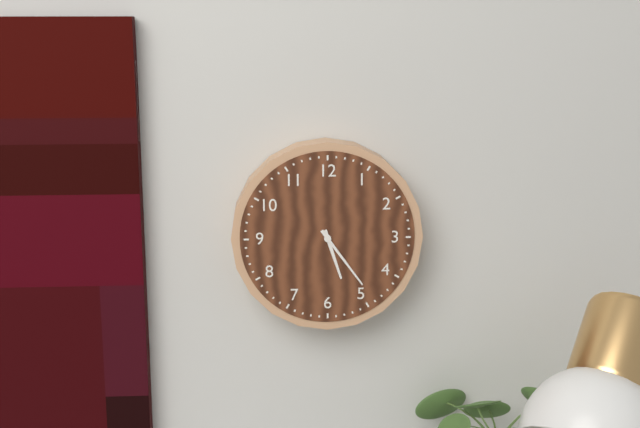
5:24
